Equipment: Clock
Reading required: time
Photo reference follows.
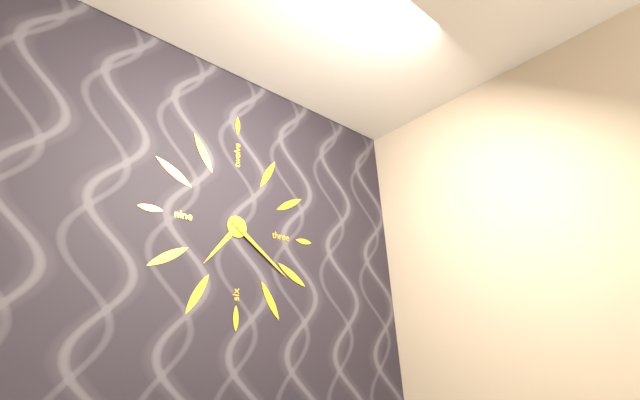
7:21
